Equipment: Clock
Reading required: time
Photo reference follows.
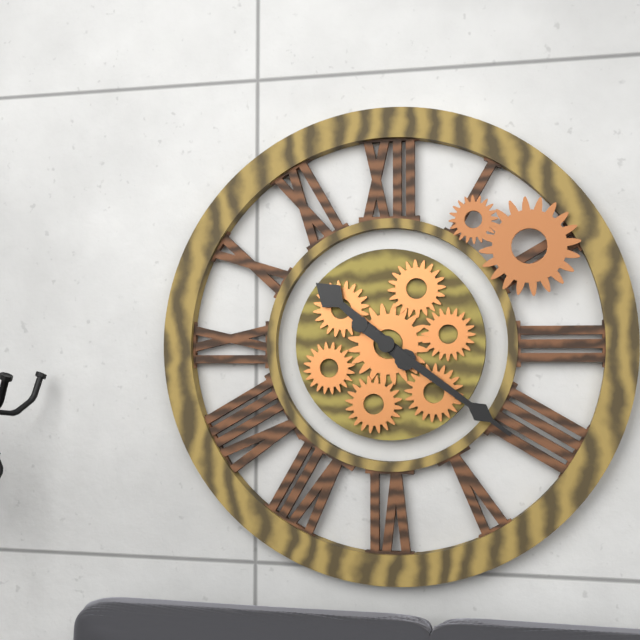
10:21
